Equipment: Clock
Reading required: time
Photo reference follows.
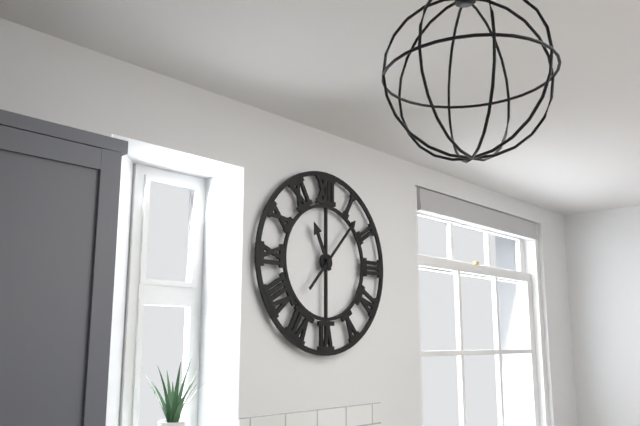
11:07
